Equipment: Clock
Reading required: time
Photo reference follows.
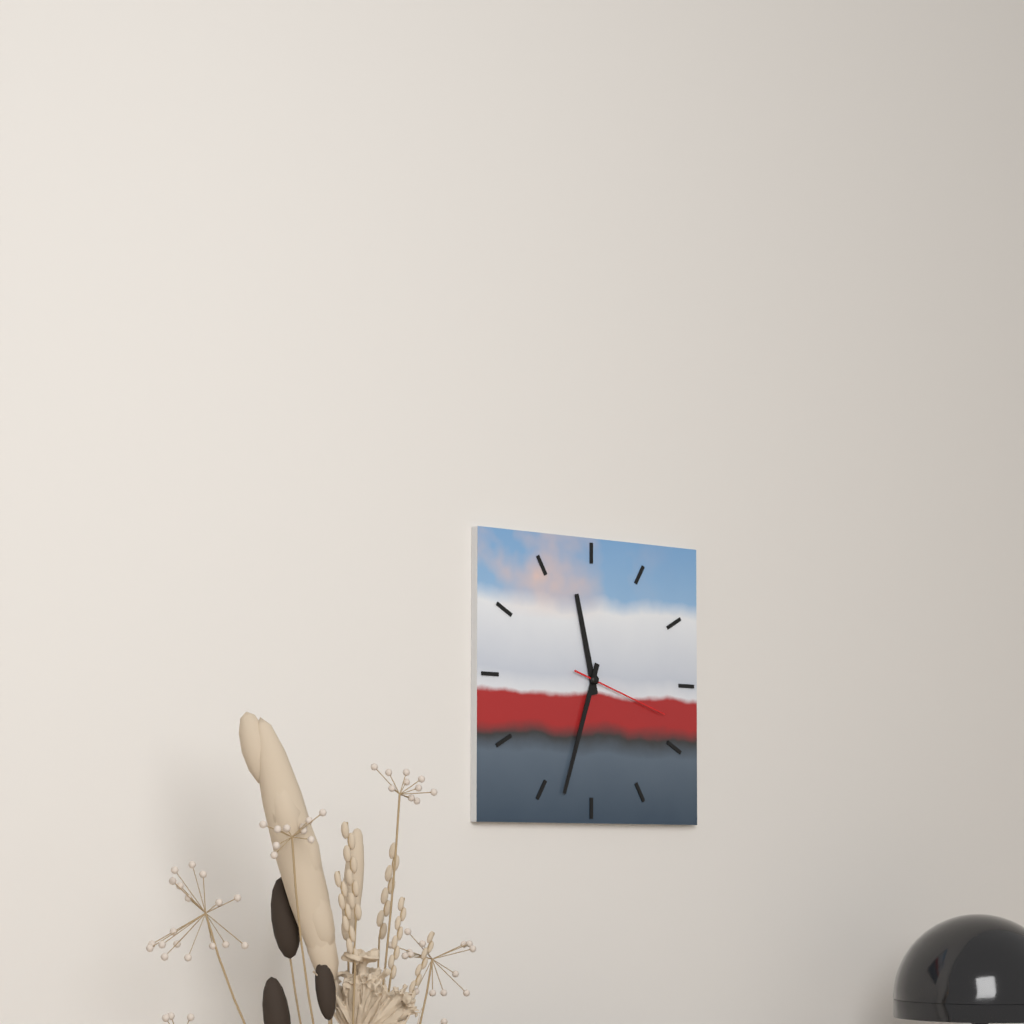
11:33:18
